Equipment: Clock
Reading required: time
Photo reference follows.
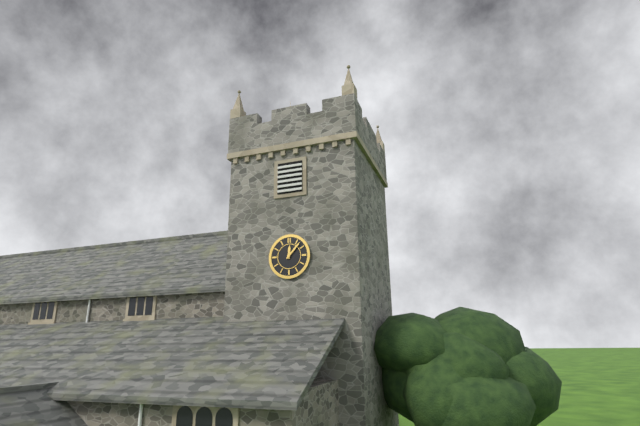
12:07
